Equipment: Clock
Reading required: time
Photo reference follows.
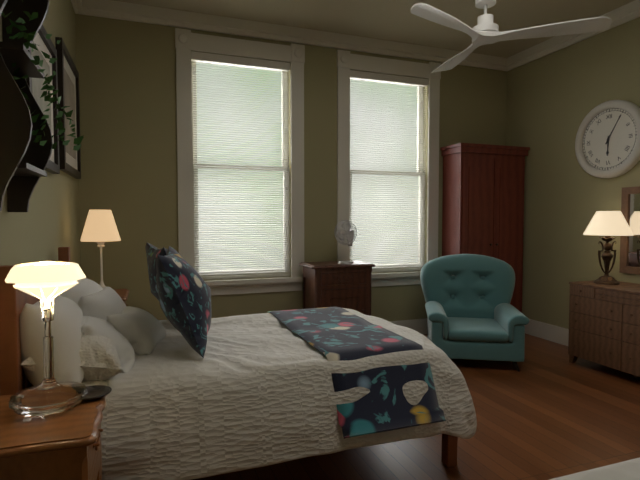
6:05
